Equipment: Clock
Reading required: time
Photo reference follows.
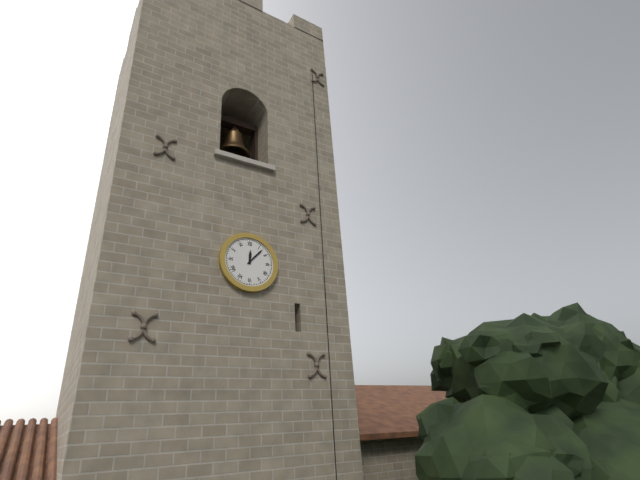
12:07
